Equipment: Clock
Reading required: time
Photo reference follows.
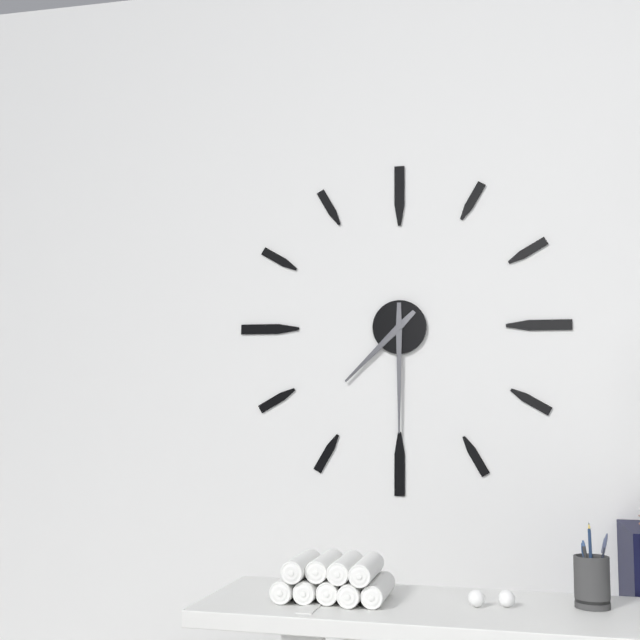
7:30
